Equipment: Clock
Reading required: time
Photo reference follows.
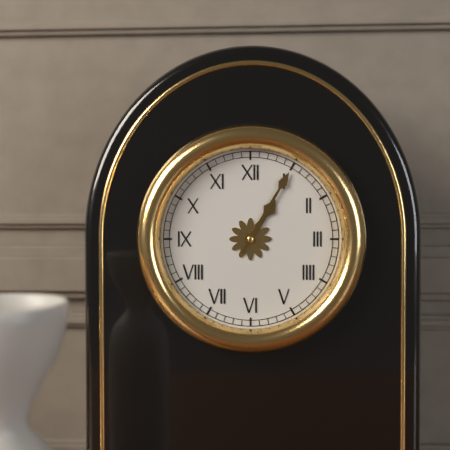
1:05
